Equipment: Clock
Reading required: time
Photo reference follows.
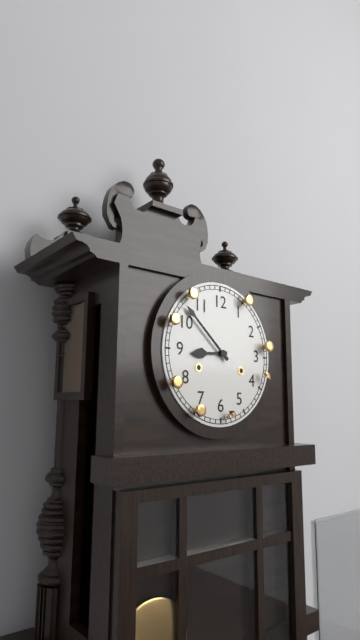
8:52
